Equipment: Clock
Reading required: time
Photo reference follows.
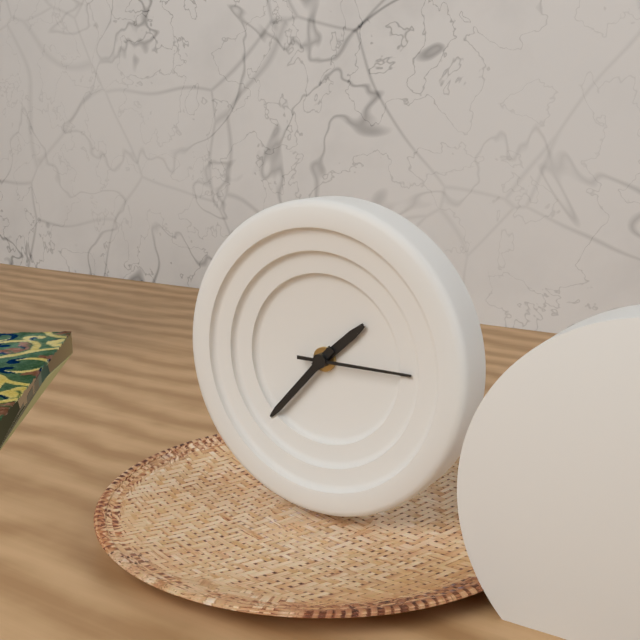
1:37:15
